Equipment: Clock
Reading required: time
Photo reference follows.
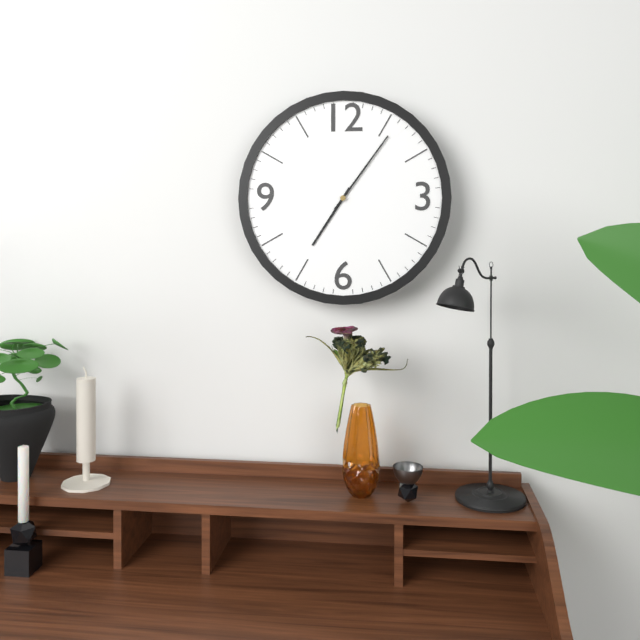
7:06
